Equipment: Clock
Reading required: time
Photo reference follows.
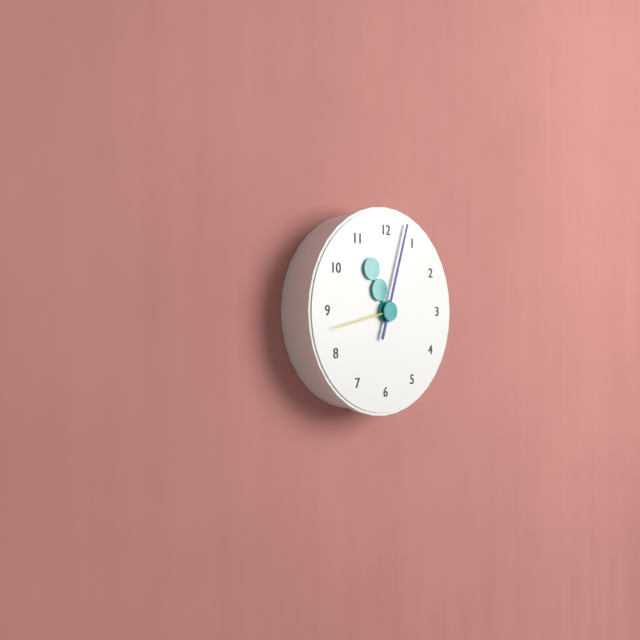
11:03:43
